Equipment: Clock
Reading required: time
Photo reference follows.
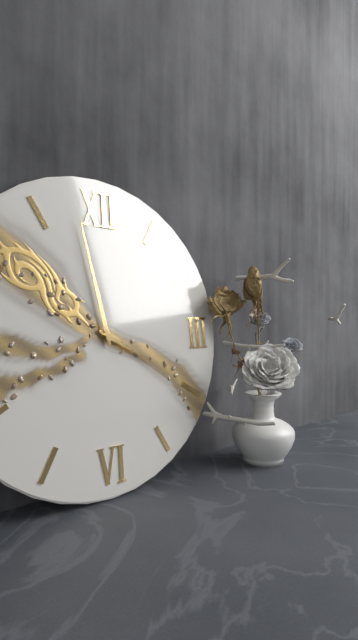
3:58
